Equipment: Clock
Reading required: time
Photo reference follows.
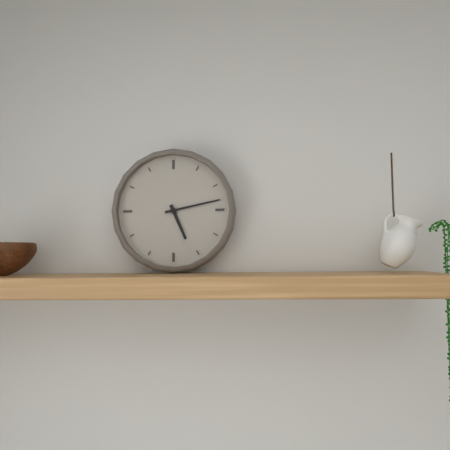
5:13
